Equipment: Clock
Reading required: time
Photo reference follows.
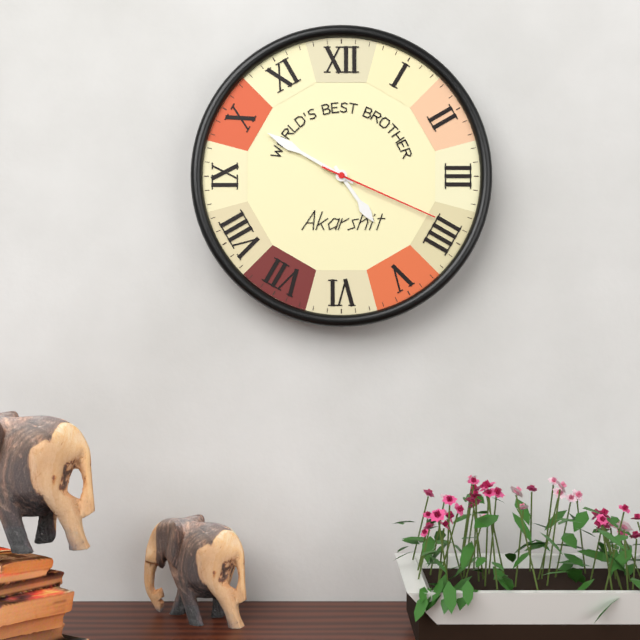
4:50:19
